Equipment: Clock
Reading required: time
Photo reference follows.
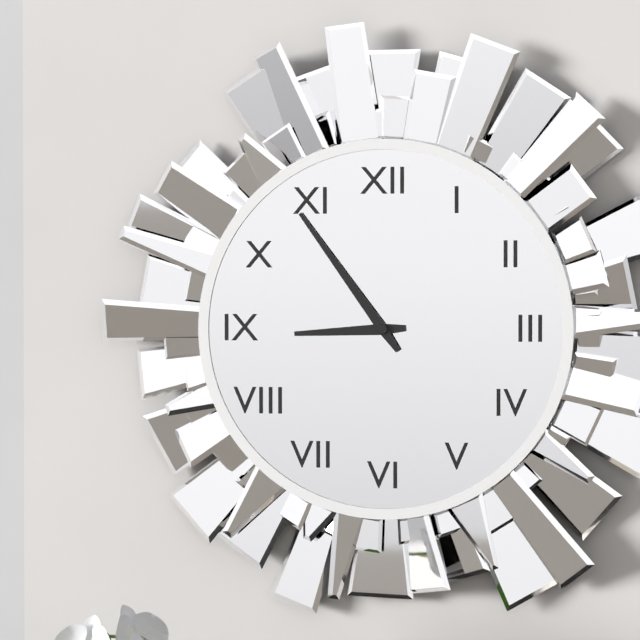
8:54
